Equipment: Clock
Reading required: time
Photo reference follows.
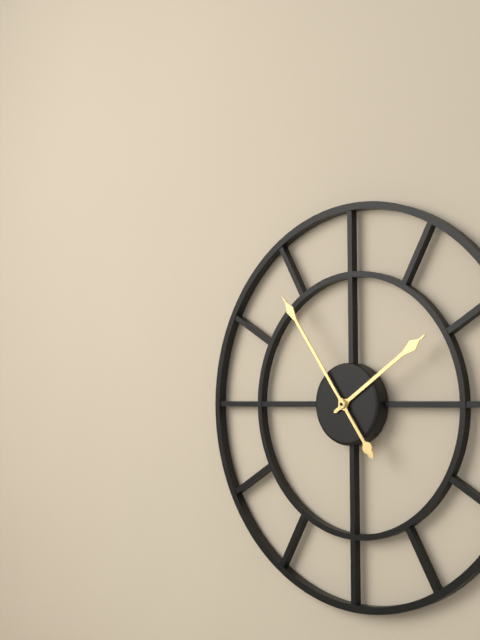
1:54
